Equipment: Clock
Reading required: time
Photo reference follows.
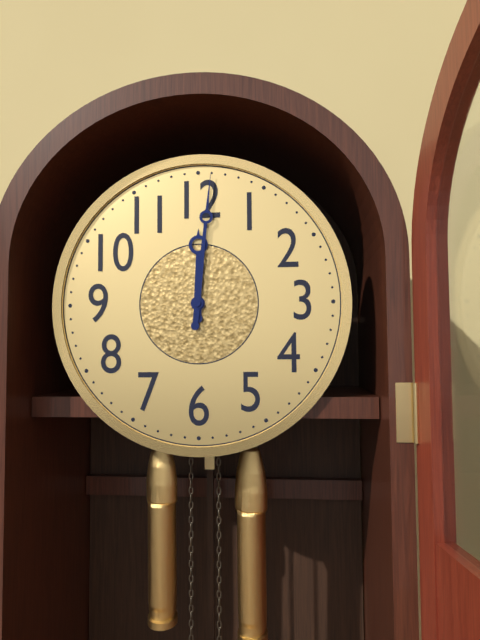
12:01
